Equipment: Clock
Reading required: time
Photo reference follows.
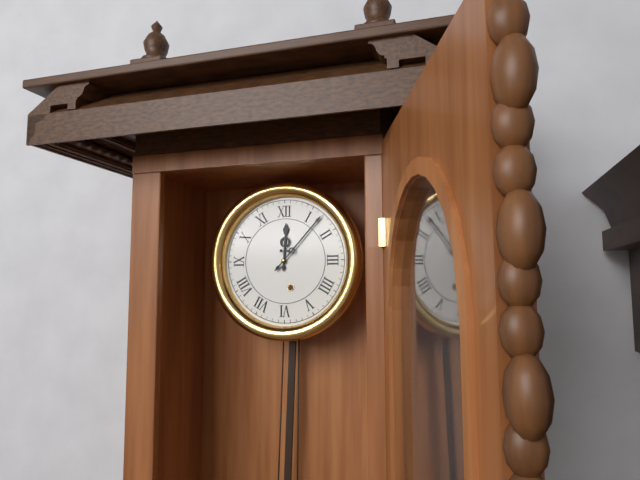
12:07
